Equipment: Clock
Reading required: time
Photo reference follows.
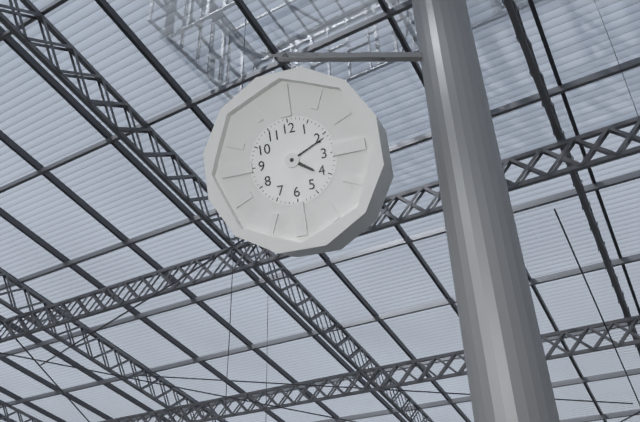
4:11
